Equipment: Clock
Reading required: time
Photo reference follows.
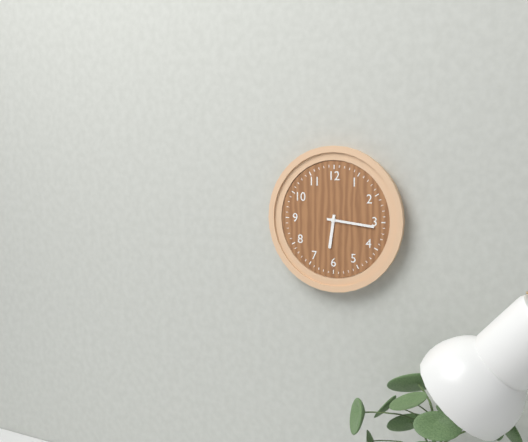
6:16
